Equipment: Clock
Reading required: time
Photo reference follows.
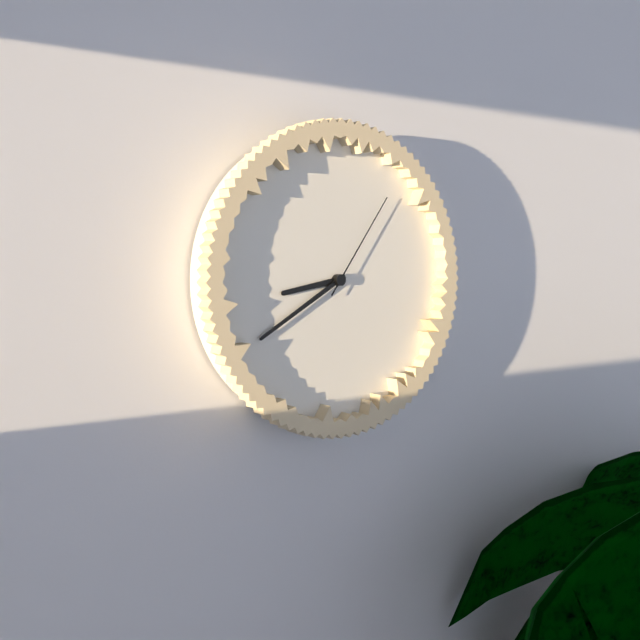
8:40:06
